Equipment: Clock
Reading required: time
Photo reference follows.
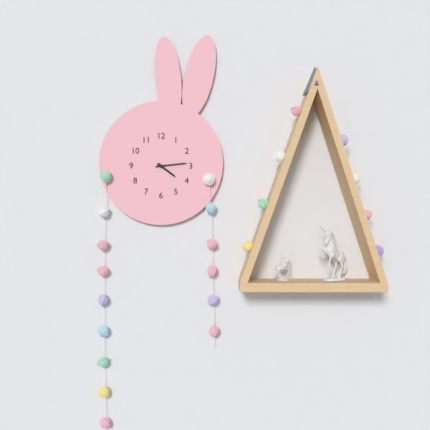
4:14
